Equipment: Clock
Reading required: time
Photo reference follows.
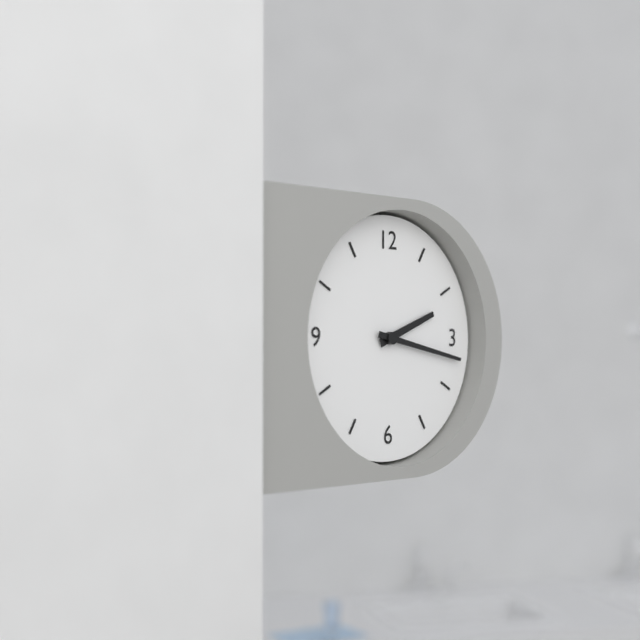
2:17
